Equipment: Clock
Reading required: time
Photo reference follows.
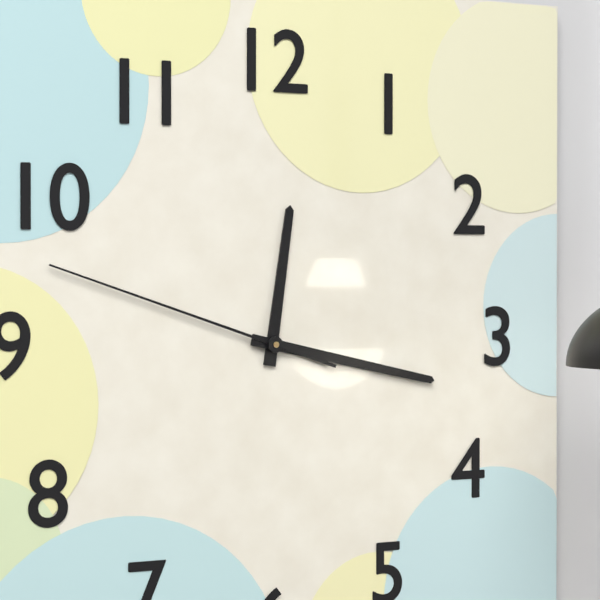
12:17:48
